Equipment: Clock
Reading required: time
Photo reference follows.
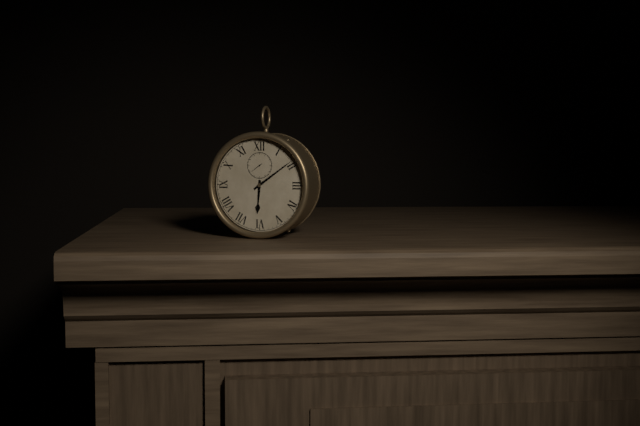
6:09
